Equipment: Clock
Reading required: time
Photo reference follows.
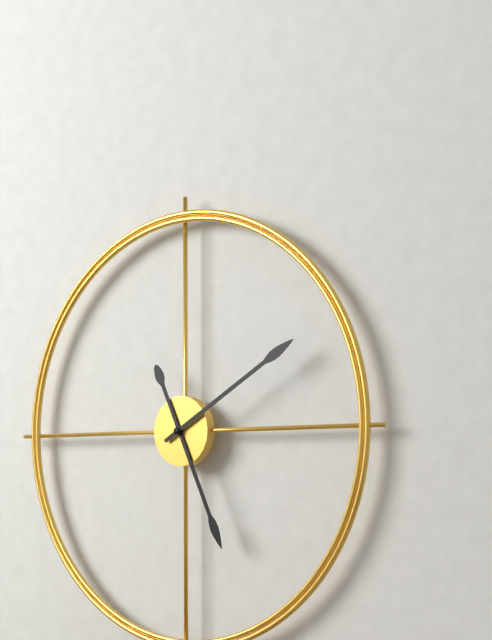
5:10
